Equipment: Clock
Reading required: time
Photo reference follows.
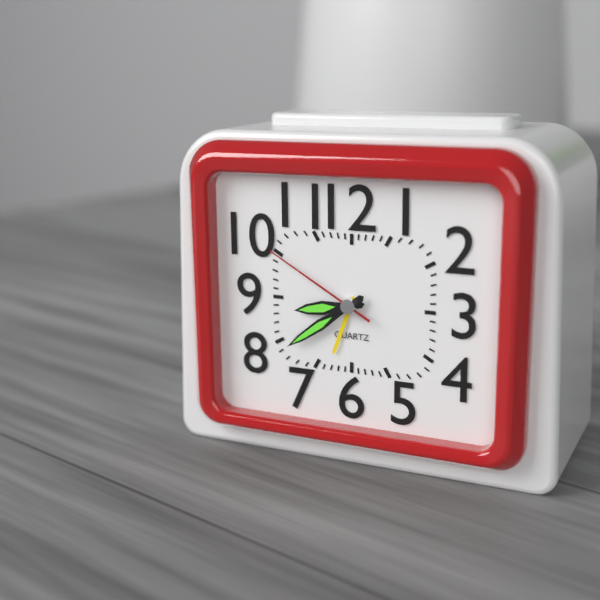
8:39:50
